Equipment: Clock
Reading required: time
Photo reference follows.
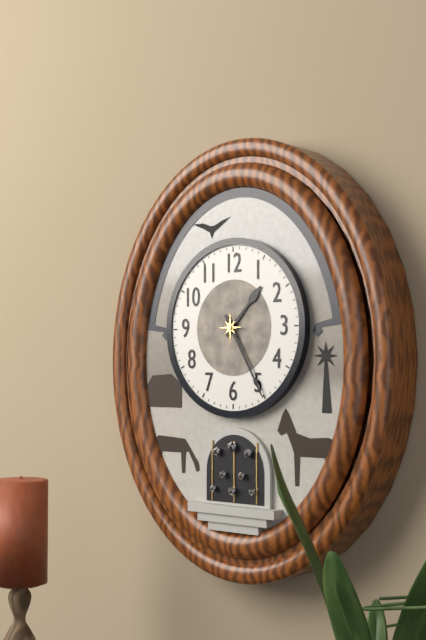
1:25
